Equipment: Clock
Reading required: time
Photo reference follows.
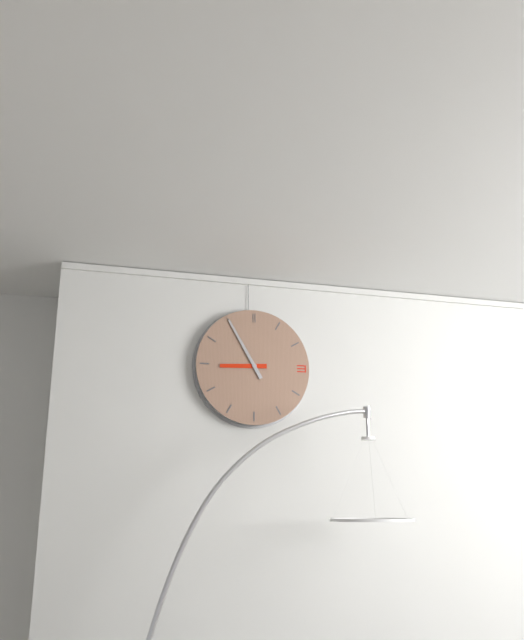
8:55
